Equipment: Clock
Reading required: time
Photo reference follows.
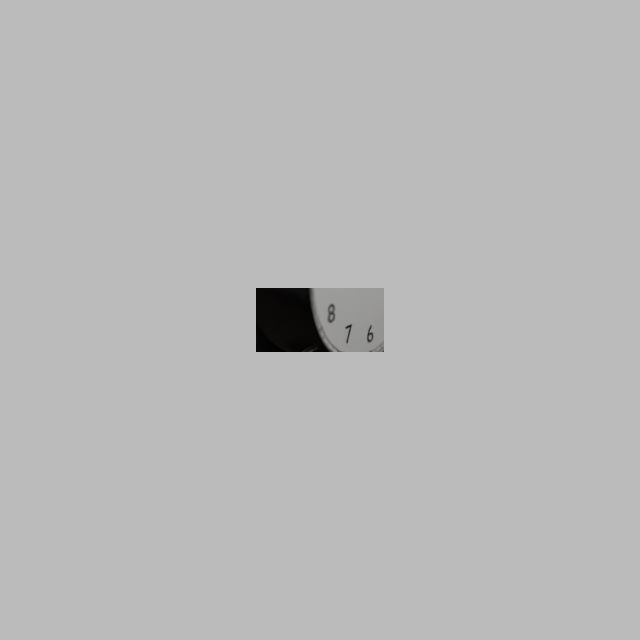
9:06
